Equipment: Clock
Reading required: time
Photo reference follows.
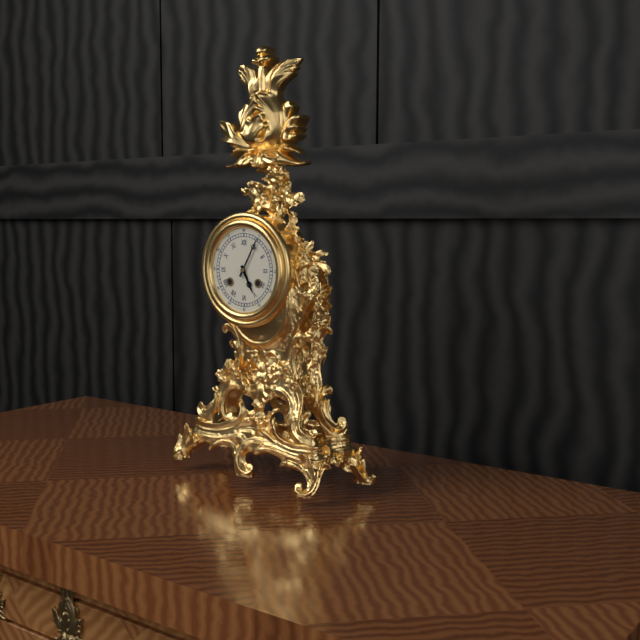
5:05
